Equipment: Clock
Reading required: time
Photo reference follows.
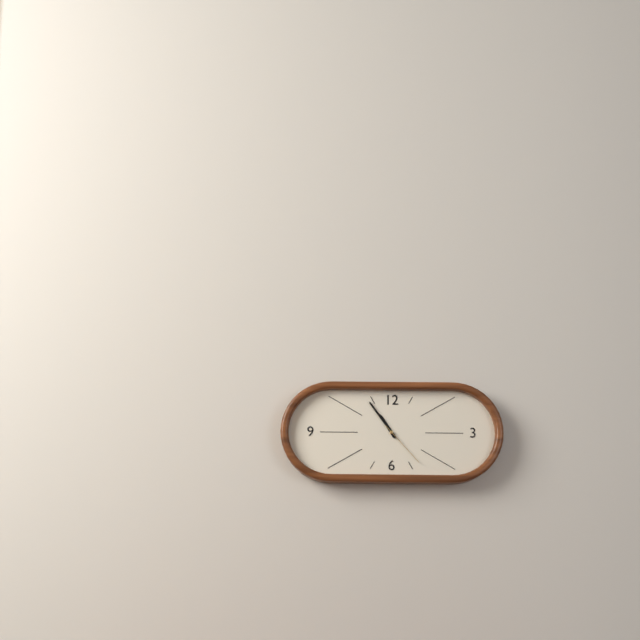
10:54:23
